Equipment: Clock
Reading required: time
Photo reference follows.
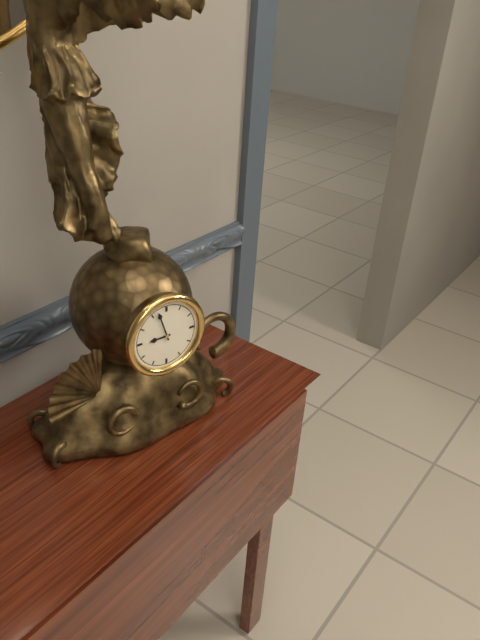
8:57
